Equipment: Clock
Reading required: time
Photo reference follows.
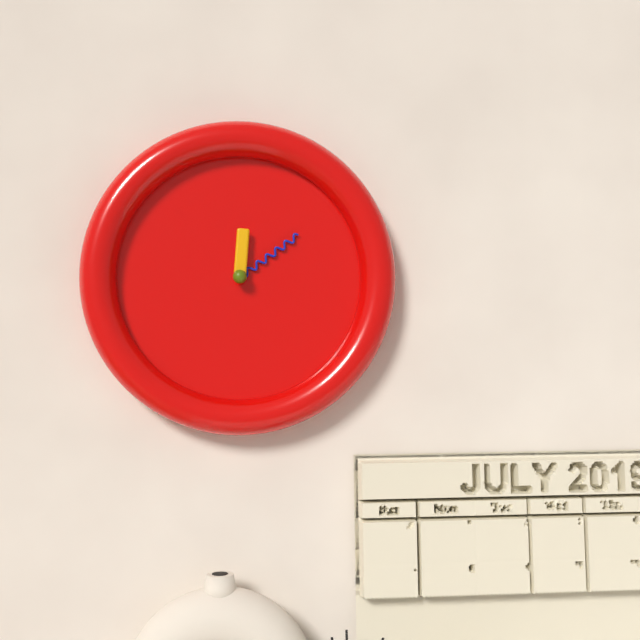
12:09
